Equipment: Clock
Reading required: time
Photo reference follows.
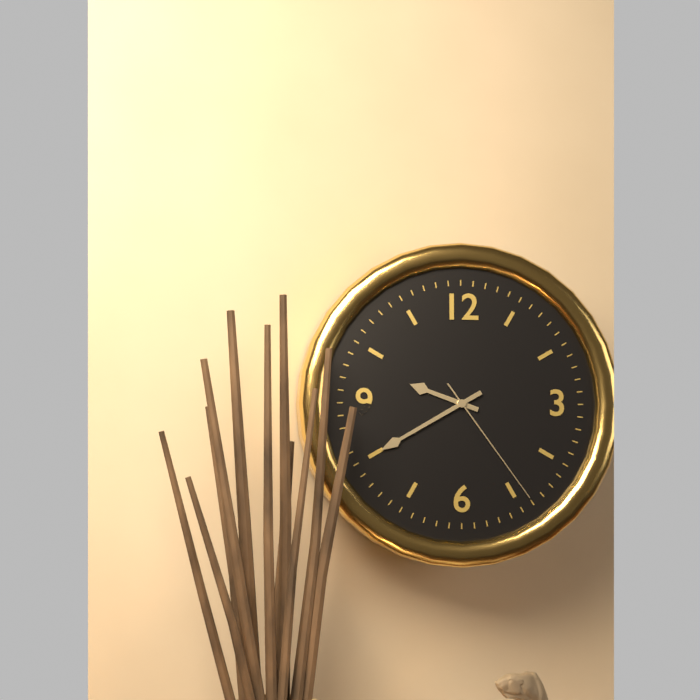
9:40:24
